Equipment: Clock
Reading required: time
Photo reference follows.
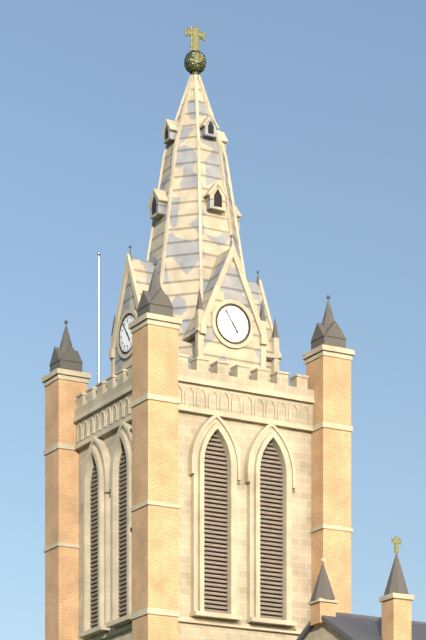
4:54
